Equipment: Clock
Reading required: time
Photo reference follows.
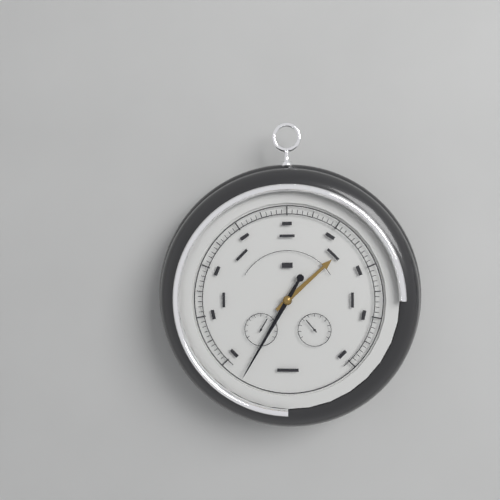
1:35
